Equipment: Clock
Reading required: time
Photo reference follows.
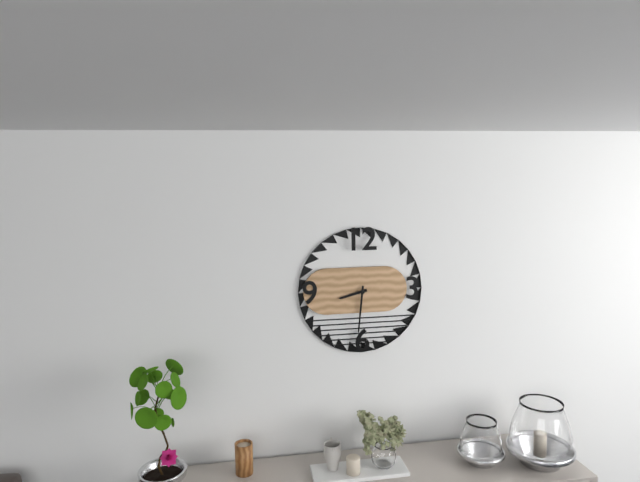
8:31
